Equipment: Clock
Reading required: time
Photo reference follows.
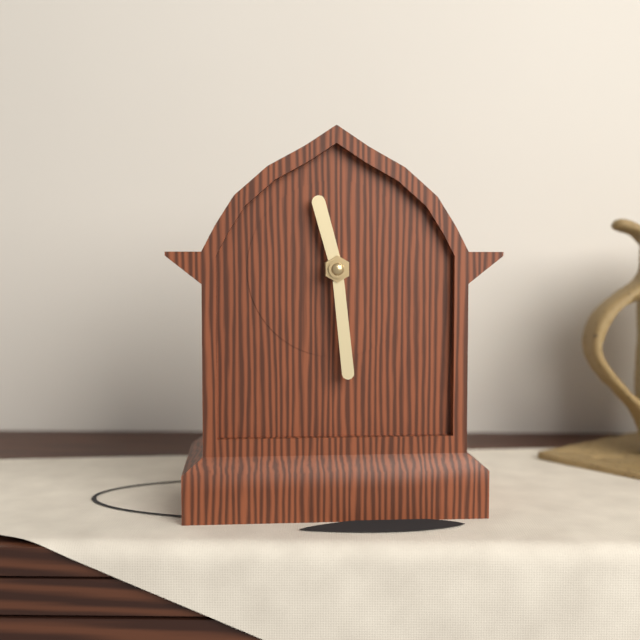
11:29
